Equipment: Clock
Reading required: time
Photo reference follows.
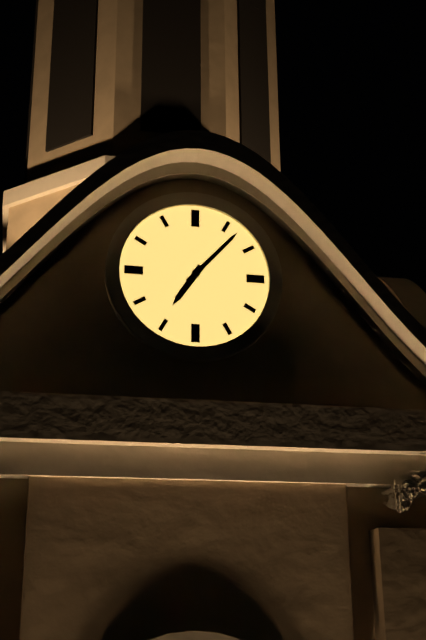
7:07
